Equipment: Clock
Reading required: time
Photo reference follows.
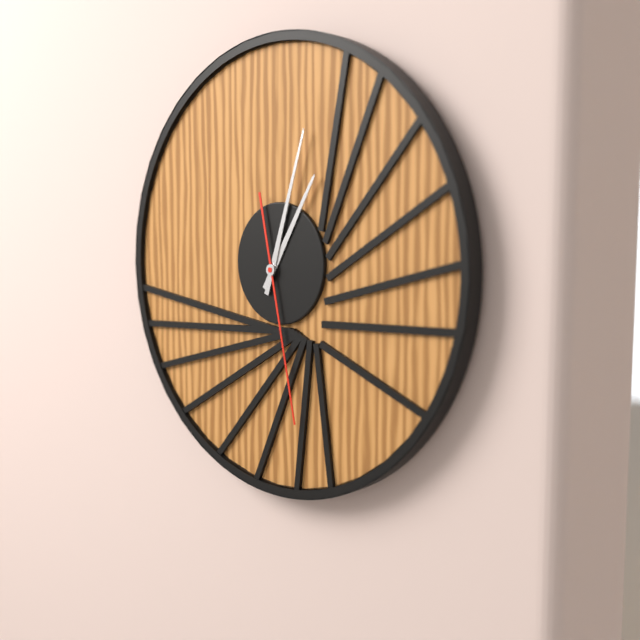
1:03:28
